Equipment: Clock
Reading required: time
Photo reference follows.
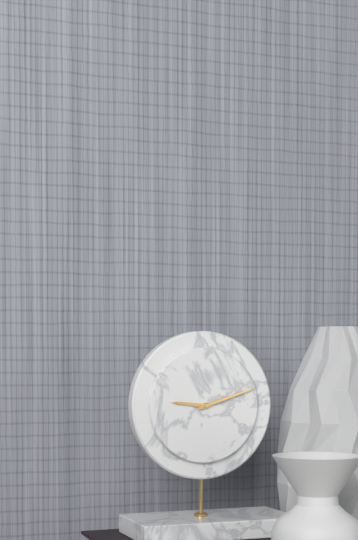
9:12
